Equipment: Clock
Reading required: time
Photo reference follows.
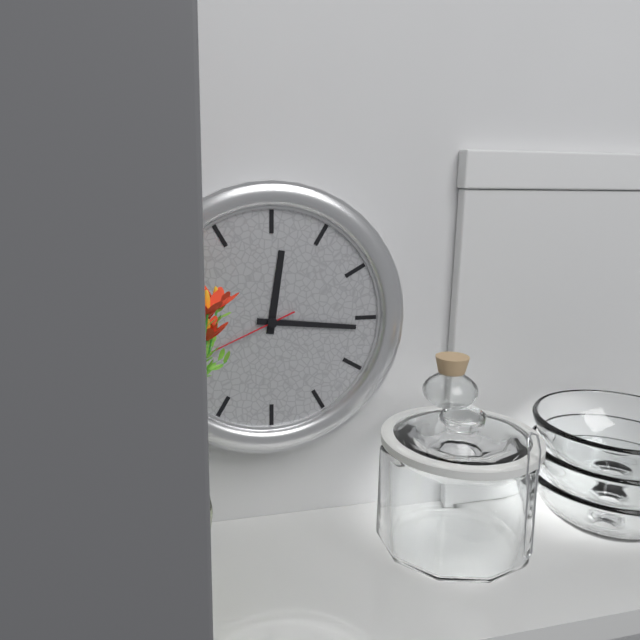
12:16
